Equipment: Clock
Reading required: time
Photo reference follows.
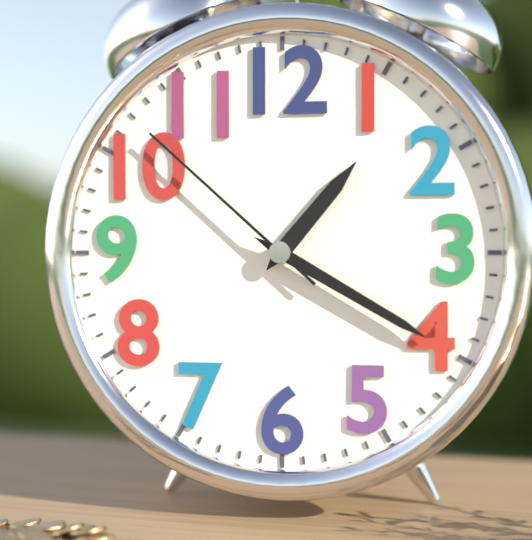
1:20:52
